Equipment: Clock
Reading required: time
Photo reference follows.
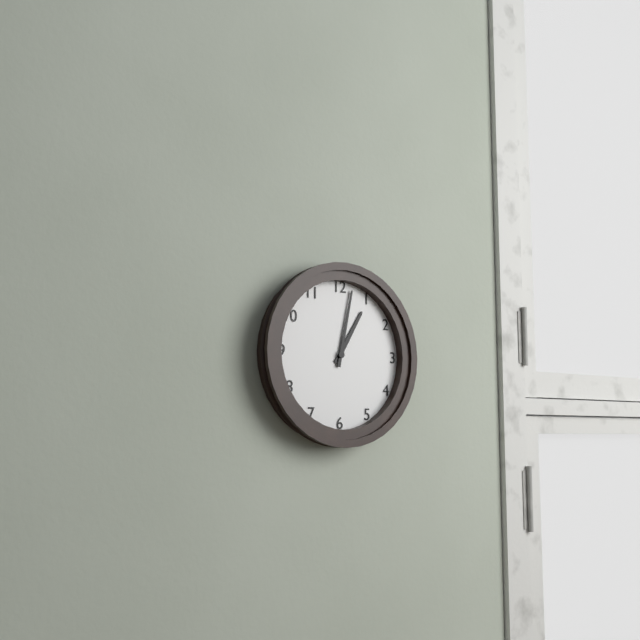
1:02
